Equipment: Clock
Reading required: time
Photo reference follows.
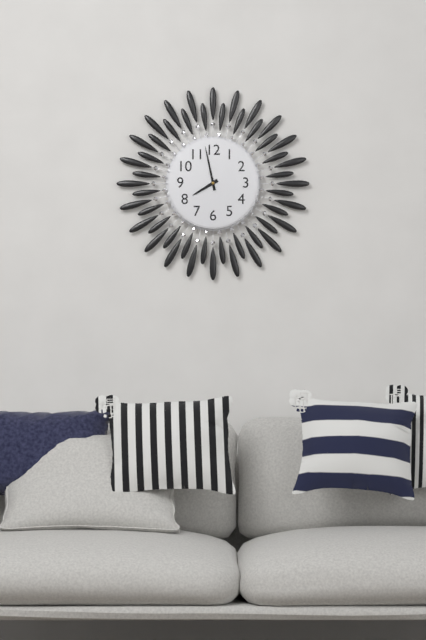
7:58
